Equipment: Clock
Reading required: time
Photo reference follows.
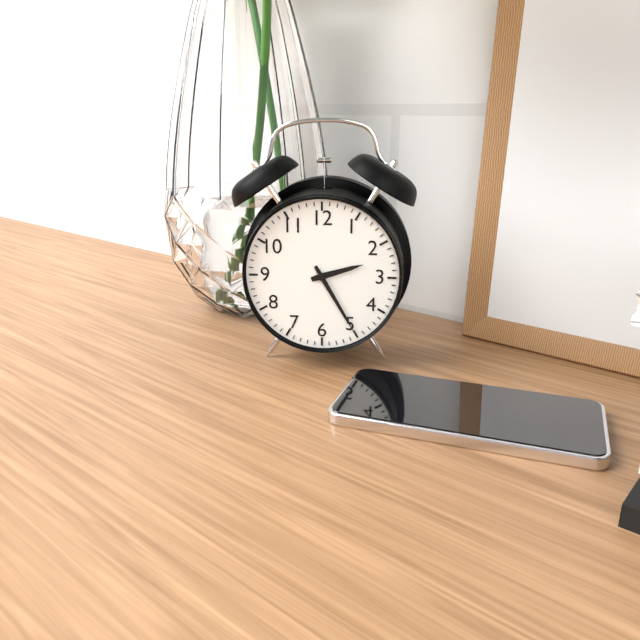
2:25
